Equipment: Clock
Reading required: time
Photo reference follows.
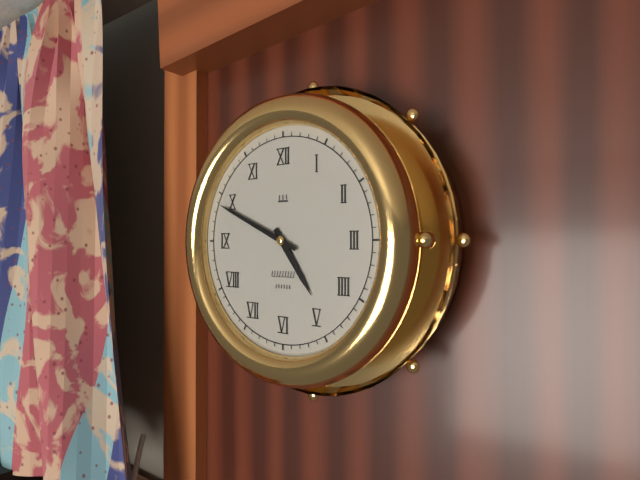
4:49
